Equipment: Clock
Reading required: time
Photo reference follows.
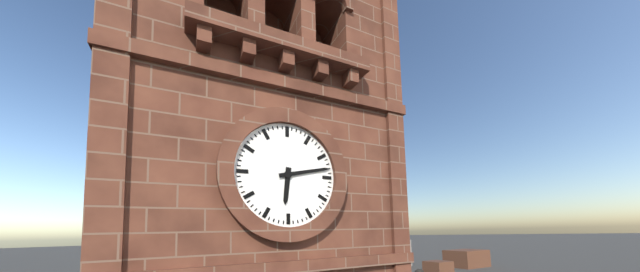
6:13
